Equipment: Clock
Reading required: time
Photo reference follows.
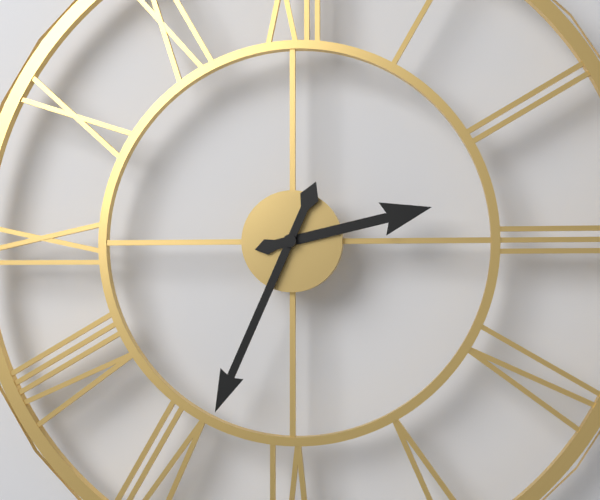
2:34
